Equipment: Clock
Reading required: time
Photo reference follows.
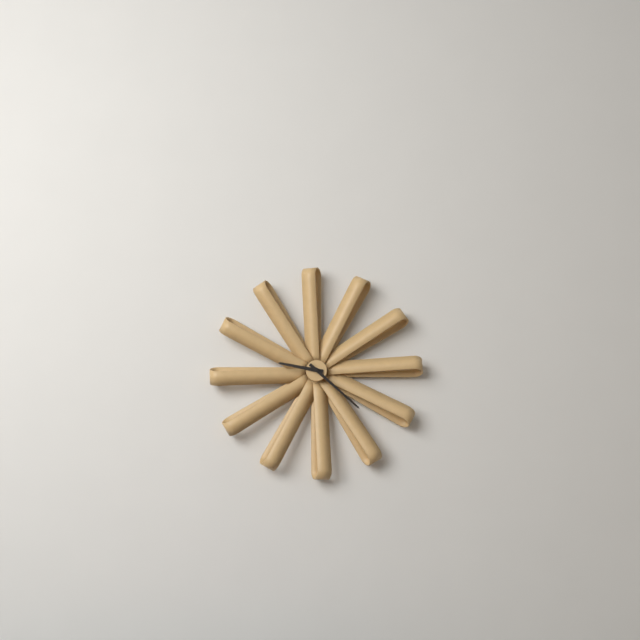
9:22
